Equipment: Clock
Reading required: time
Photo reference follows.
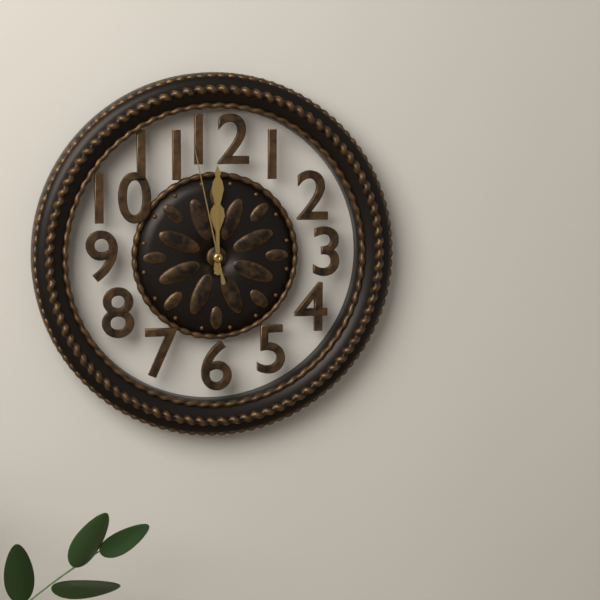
12:00:58
